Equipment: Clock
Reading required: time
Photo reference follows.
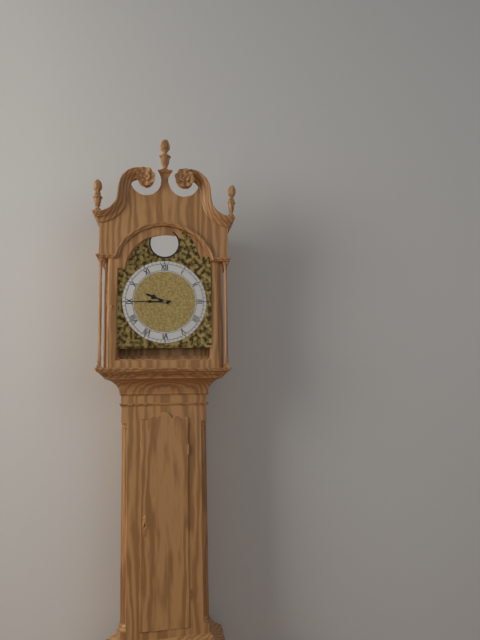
9:45
